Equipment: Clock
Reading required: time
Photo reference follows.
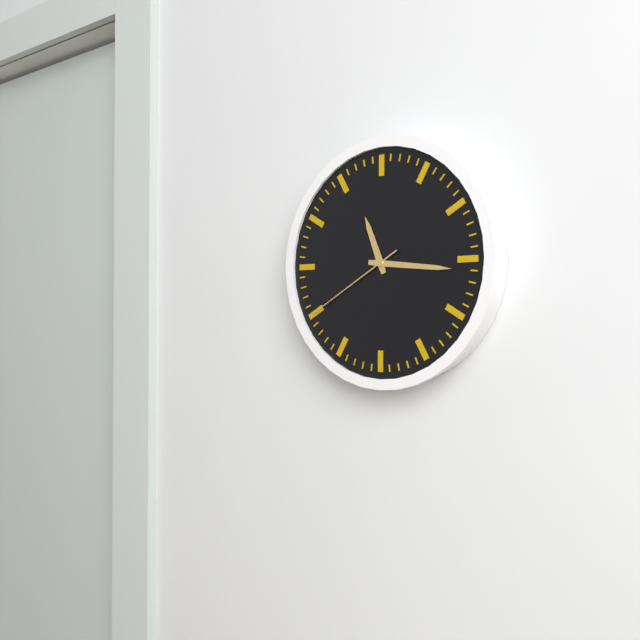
11:16:40
